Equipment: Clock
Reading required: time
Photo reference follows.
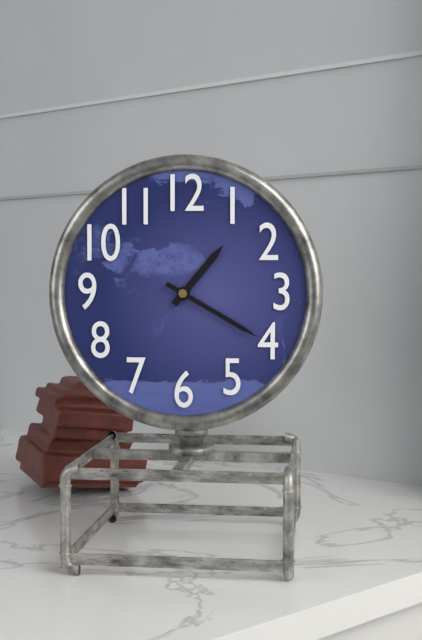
1:20
